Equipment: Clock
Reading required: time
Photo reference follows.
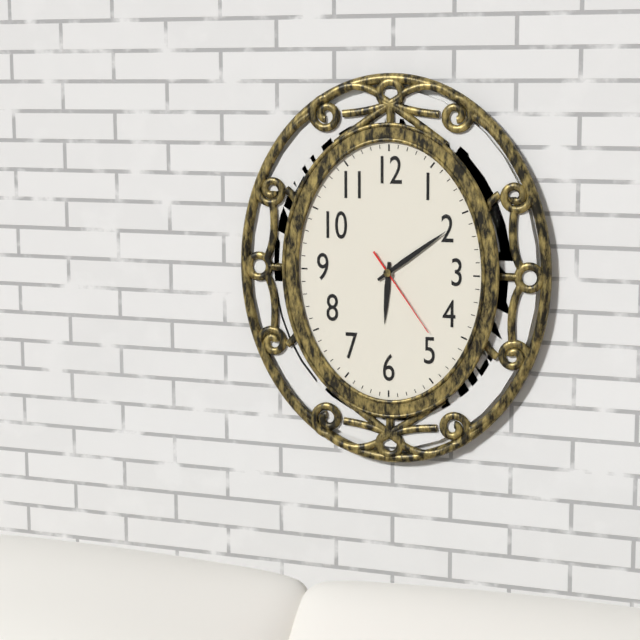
6:09:24
